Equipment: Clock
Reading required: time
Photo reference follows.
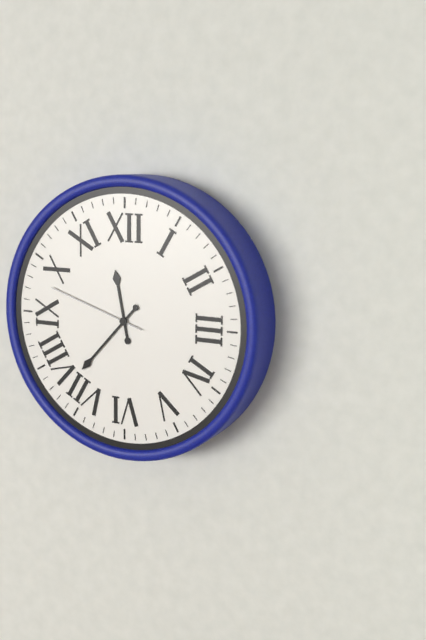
11:37:48
